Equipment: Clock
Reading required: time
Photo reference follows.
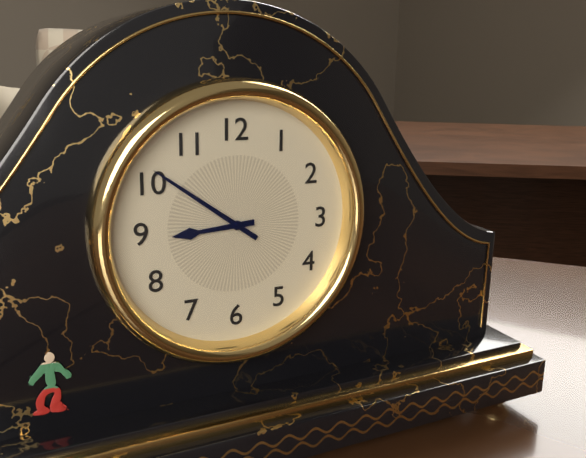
8:51
